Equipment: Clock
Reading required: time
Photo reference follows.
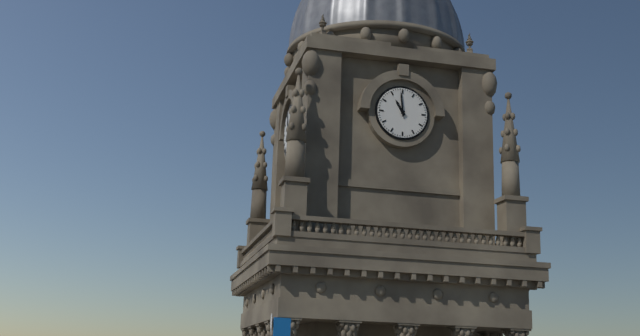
10:59
